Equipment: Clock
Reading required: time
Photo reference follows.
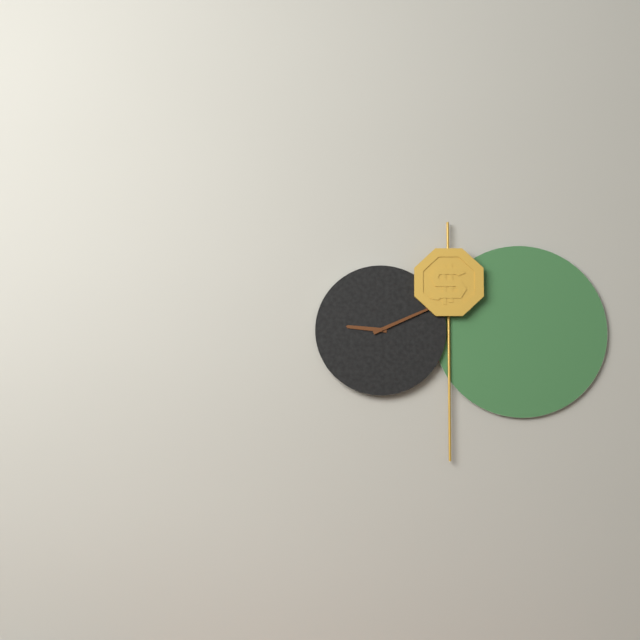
9:11
